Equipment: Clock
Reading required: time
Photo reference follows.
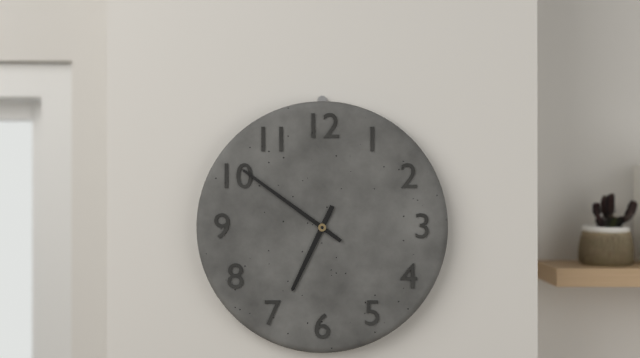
6:51
